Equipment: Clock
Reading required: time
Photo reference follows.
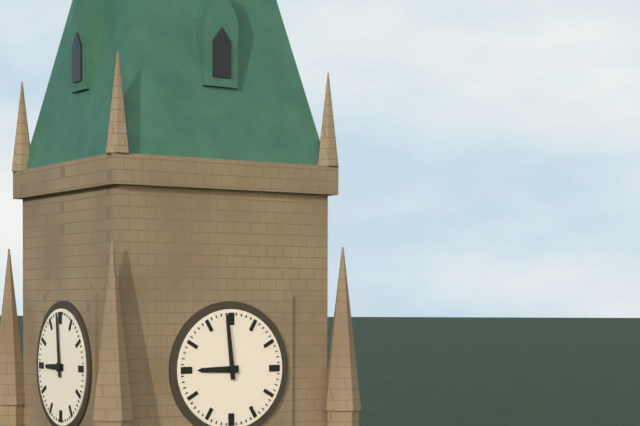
8:59
